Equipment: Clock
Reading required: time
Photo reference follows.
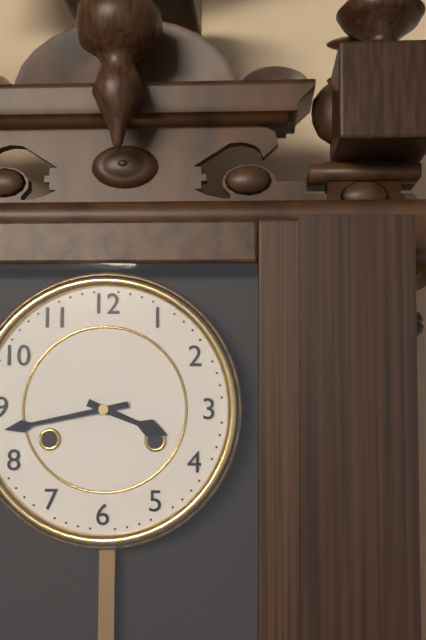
3:43
